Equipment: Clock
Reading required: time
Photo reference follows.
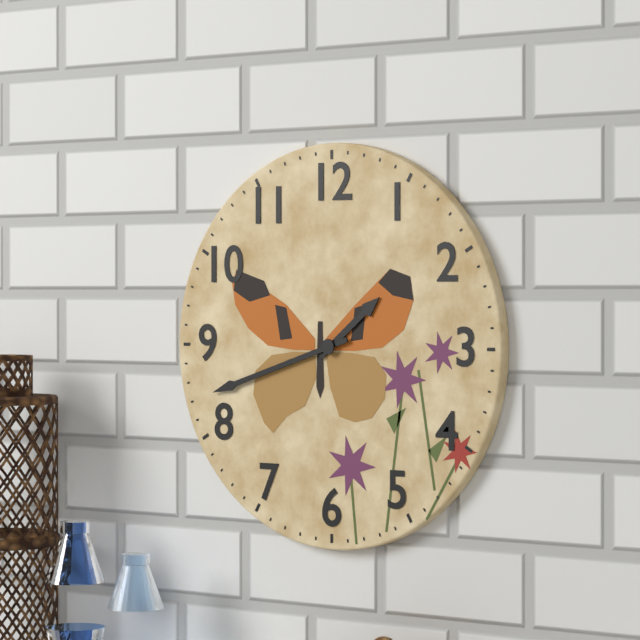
1:42
